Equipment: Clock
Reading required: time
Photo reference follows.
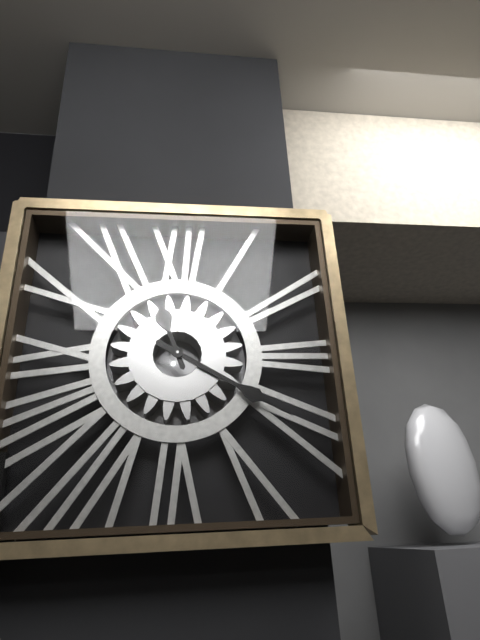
11:20
